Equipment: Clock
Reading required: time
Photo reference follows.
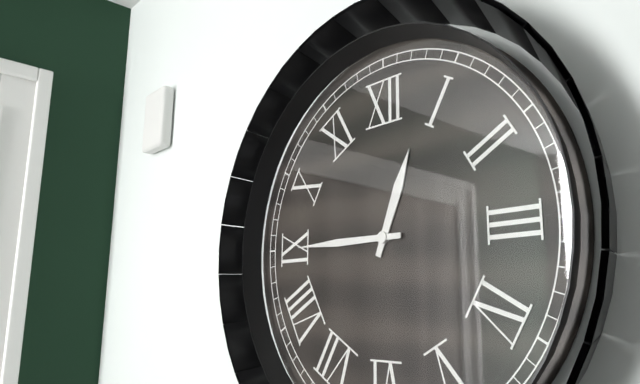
12:45
